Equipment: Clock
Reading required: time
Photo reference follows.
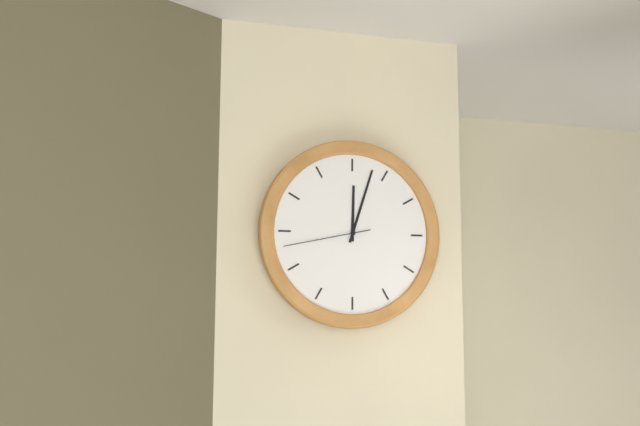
12:03:43
